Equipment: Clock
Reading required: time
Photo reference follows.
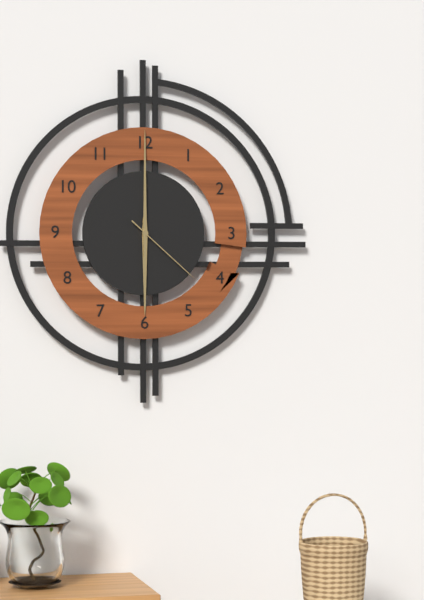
6:00:22
